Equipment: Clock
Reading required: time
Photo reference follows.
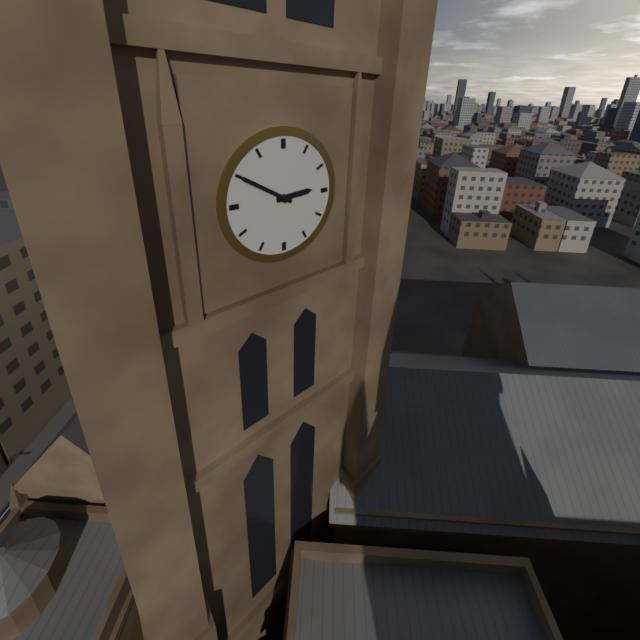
2:50
